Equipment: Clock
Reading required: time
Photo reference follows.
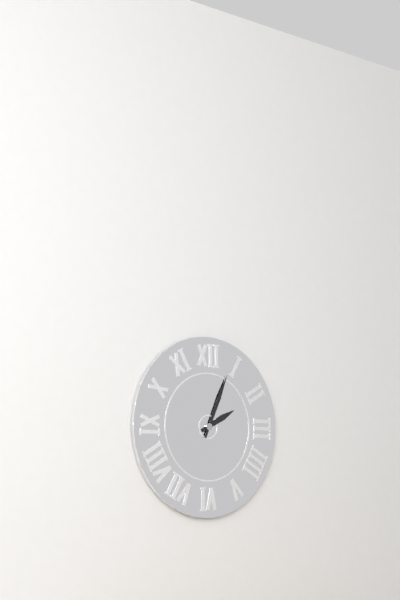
2:04
